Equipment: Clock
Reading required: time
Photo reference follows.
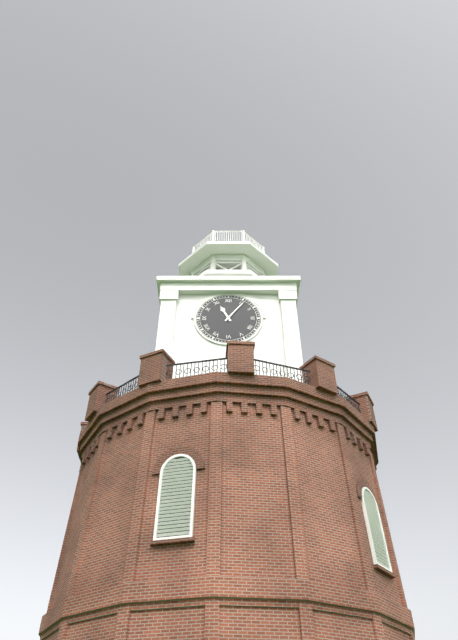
11:06
